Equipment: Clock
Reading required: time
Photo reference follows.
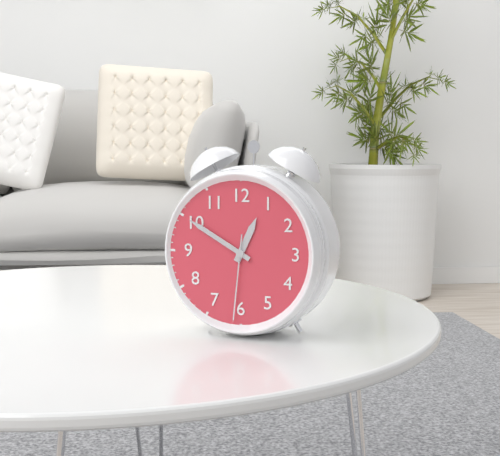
12:50:31
